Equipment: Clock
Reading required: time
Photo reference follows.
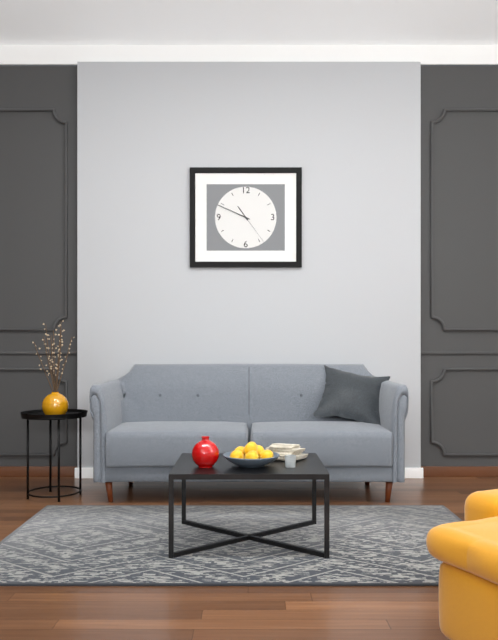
10:49
